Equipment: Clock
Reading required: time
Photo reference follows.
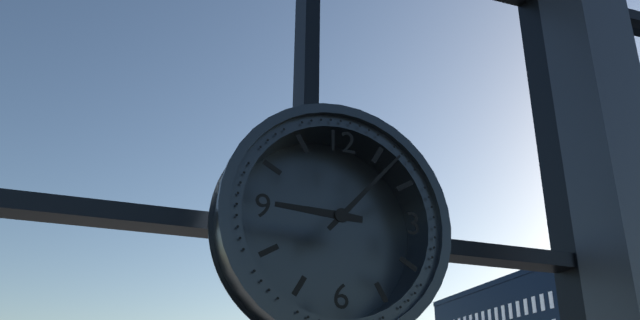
9:07
